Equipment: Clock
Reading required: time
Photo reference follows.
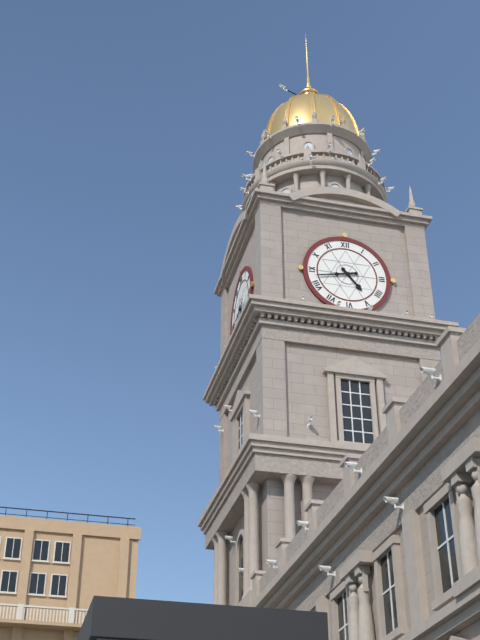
4:43
